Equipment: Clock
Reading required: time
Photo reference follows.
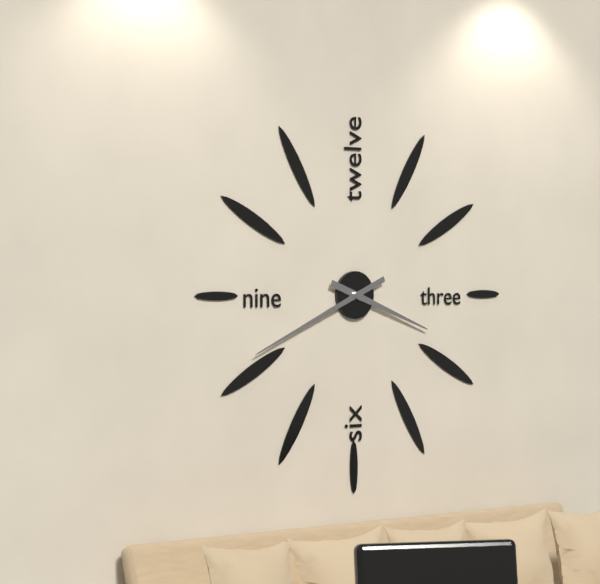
3:41
